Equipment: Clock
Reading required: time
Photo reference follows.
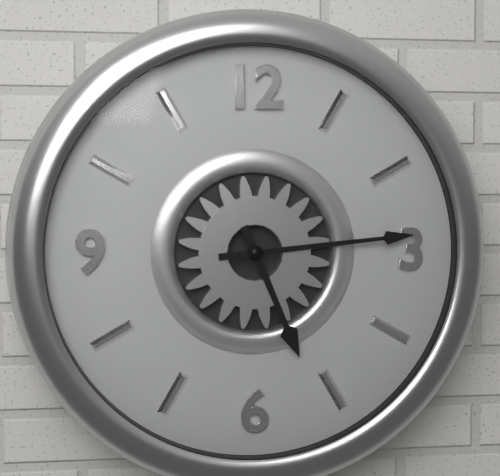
5:14
